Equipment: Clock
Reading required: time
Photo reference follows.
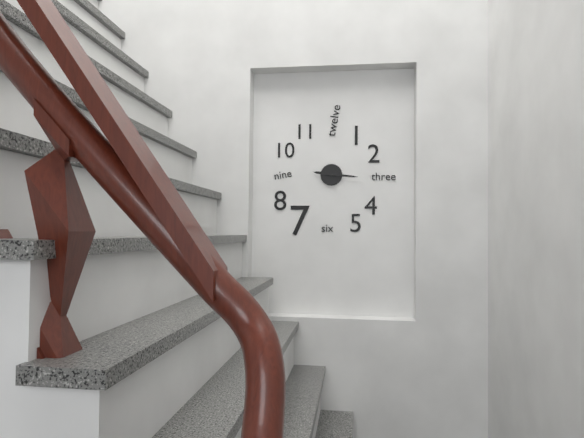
9:16
